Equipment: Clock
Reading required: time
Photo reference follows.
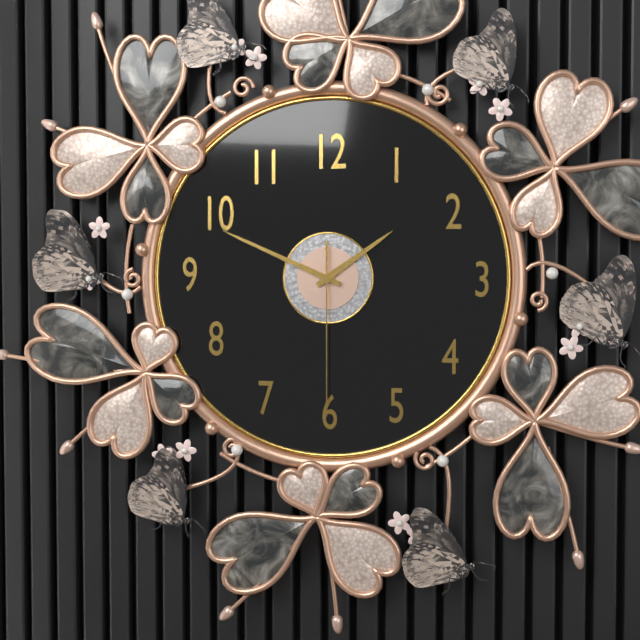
1:49:30
